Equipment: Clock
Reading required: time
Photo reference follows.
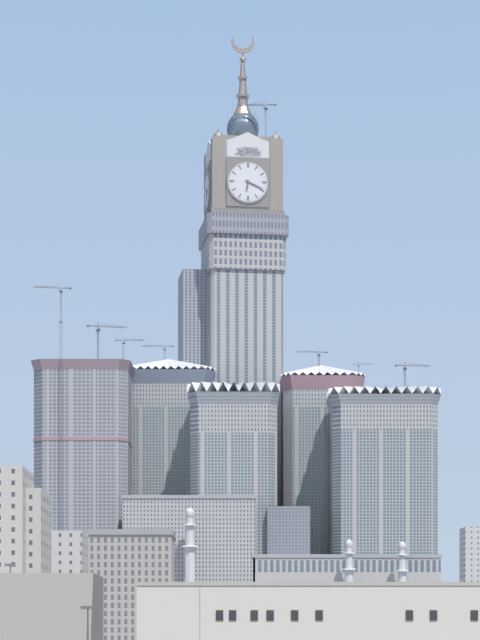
6:19
